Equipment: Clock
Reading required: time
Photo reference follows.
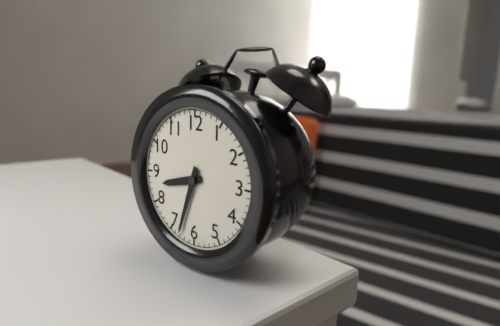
8:33
